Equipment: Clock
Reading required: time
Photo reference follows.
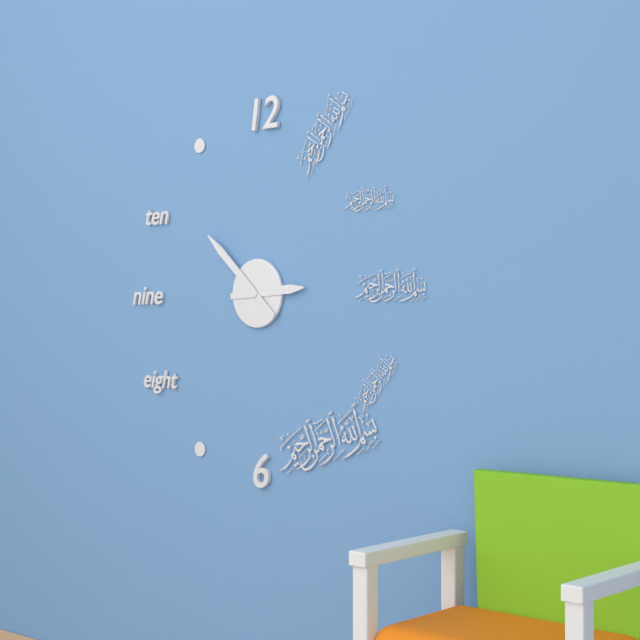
2:52
